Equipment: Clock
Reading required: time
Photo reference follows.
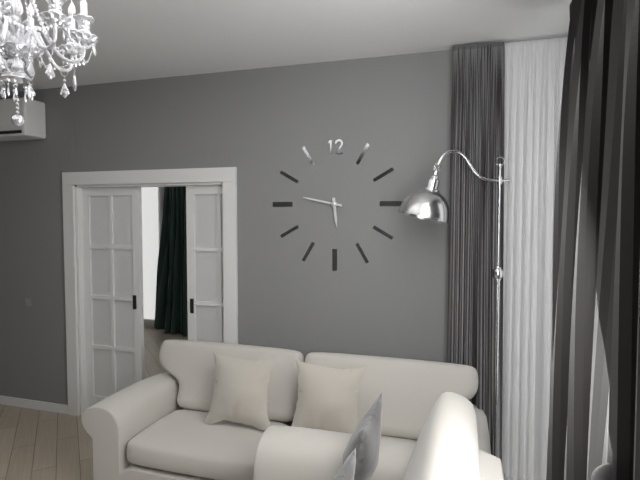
5:47
